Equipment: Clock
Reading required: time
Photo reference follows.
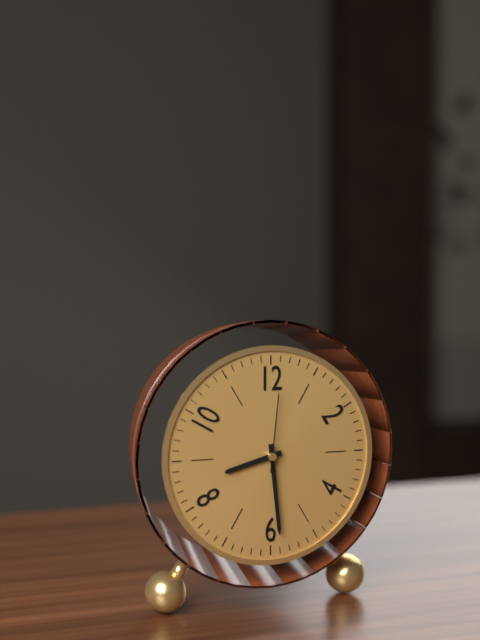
8:29:01
